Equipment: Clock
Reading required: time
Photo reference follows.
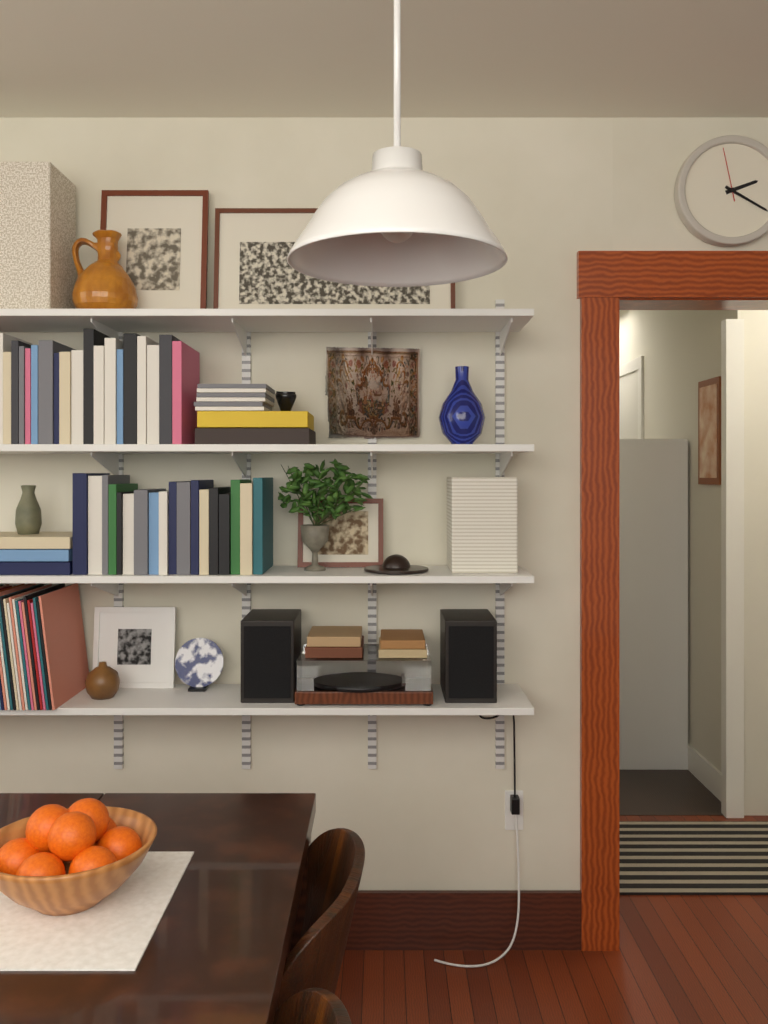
2:20:58
